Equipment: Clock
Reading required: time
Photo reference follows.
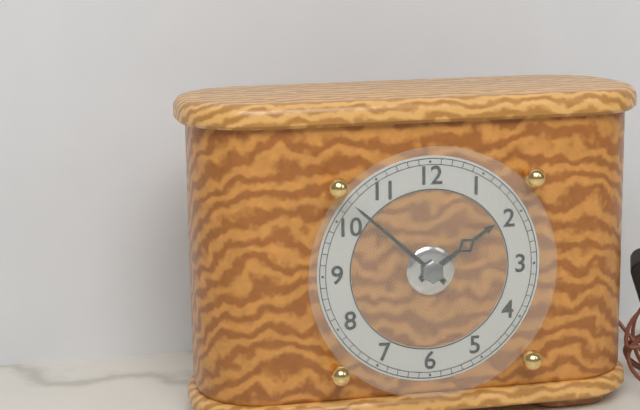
1:52
